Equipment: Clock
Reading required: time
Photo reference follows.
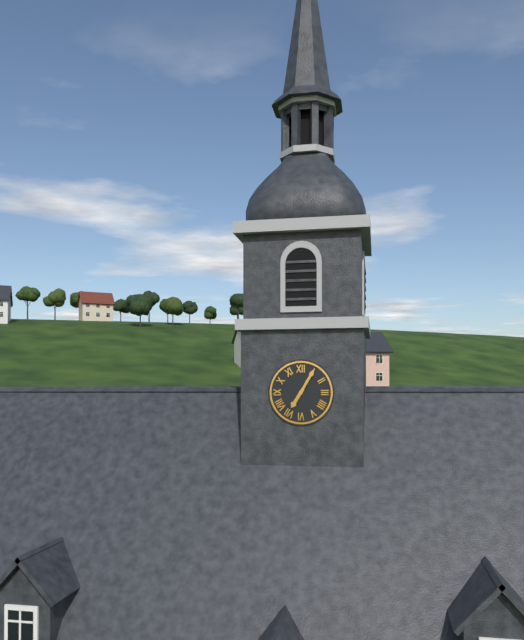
7:05
